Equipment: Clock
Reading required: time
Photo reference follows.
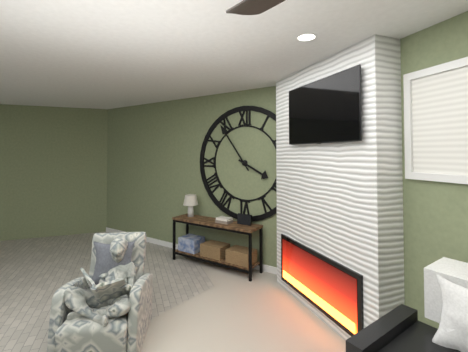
3:54
